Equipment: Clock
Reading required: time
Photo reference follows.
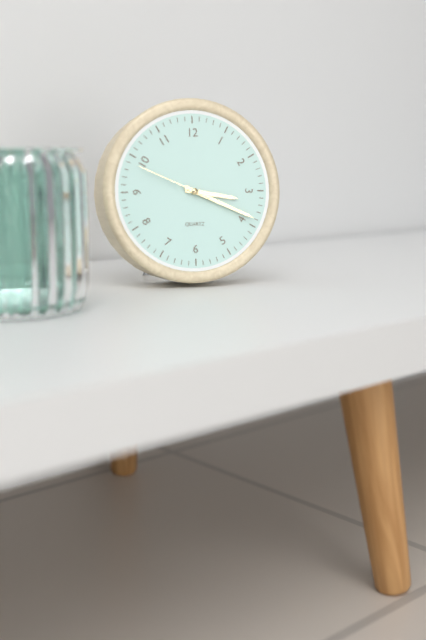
3:19:49
